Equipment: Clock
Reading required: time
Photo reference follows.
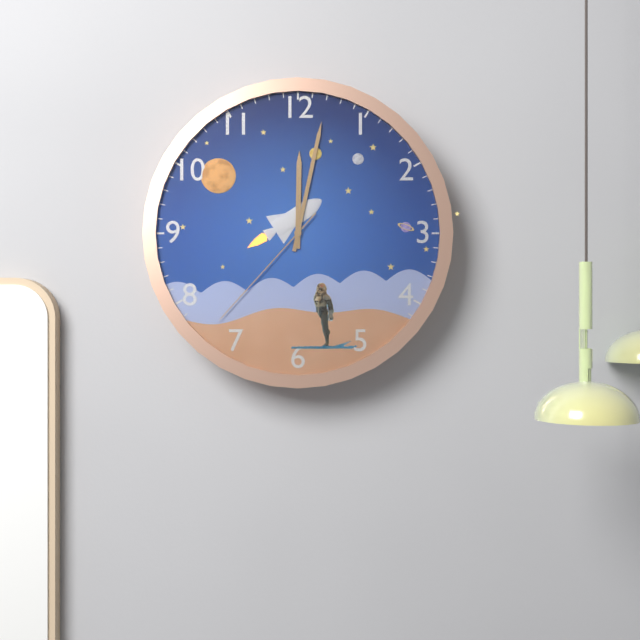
12:02:37
